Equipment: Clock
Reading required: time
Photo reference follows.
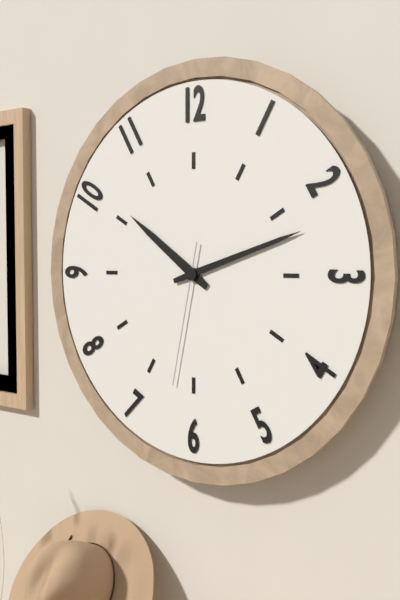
10:12:32
